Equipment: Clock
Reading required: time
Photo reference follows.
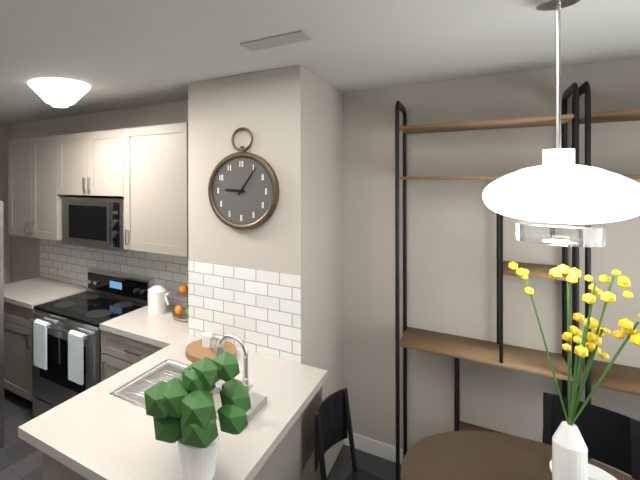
9:06
